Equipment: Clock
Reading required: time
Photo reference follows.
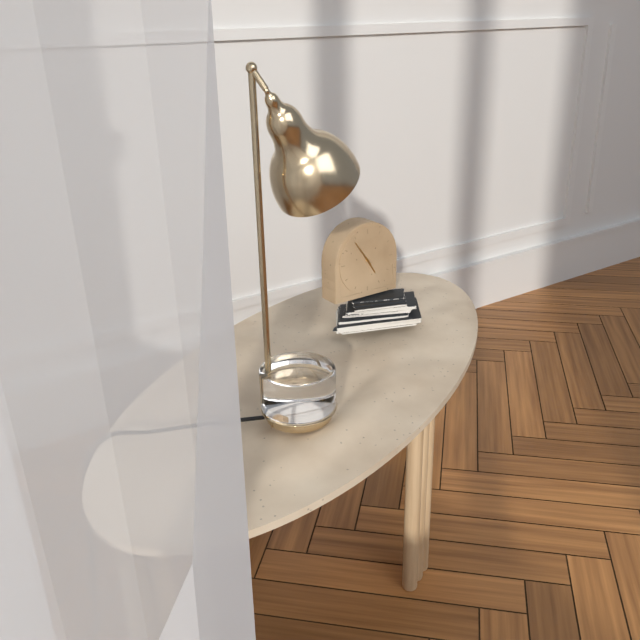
4:54
